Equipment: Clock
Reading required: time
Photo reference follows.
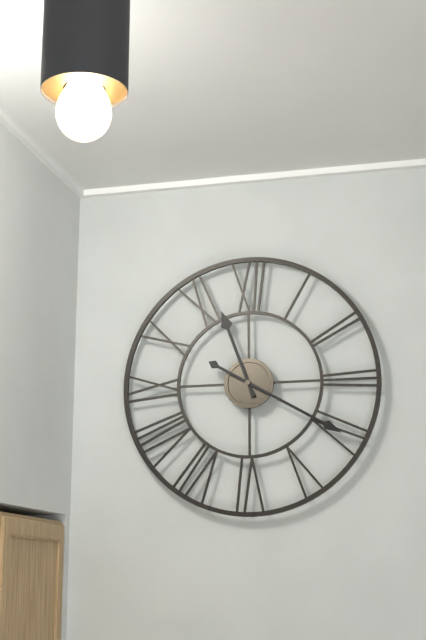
11:20
